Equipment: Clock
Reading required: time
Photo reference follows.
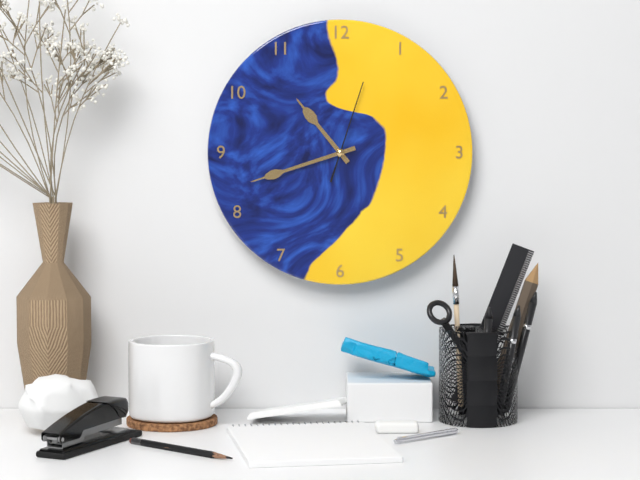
10:42:03
